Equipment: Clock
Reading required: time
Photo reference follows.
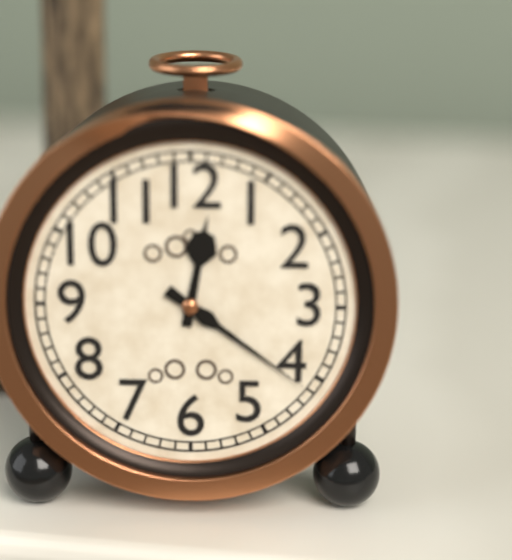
12:21
